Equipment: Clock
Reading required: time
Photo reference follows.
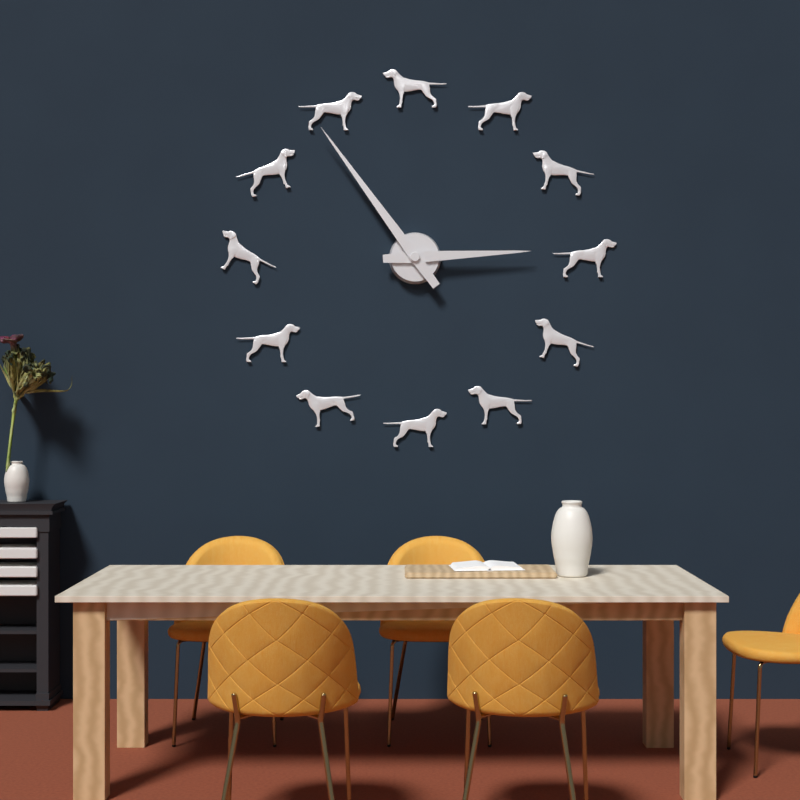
2:54
